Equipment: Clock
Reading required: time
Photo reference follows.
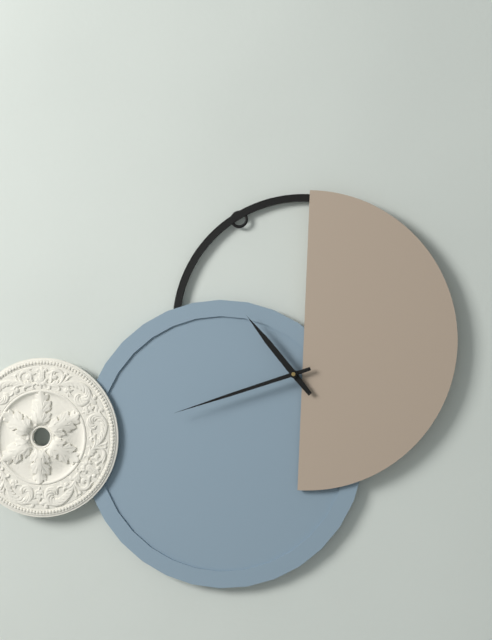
10:42
